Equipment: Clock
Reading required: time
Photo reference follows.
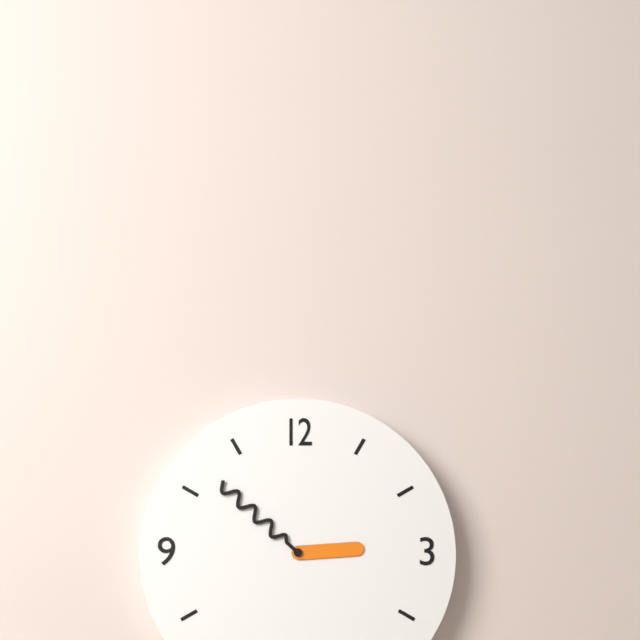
2:52
